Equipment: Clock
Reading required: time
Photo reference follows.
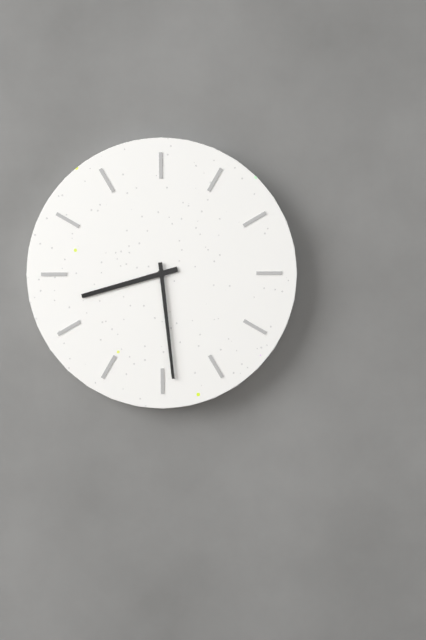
8:29
